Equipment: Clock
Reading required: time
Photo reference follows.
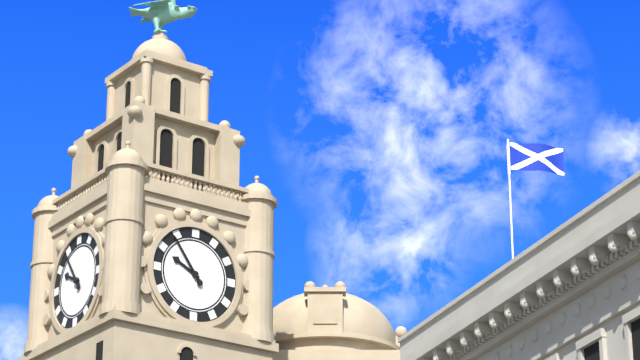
9:54
